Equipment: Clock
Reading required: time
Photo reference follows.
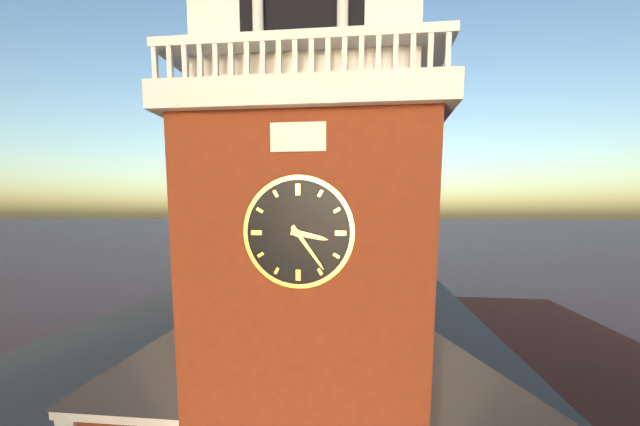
3:24
